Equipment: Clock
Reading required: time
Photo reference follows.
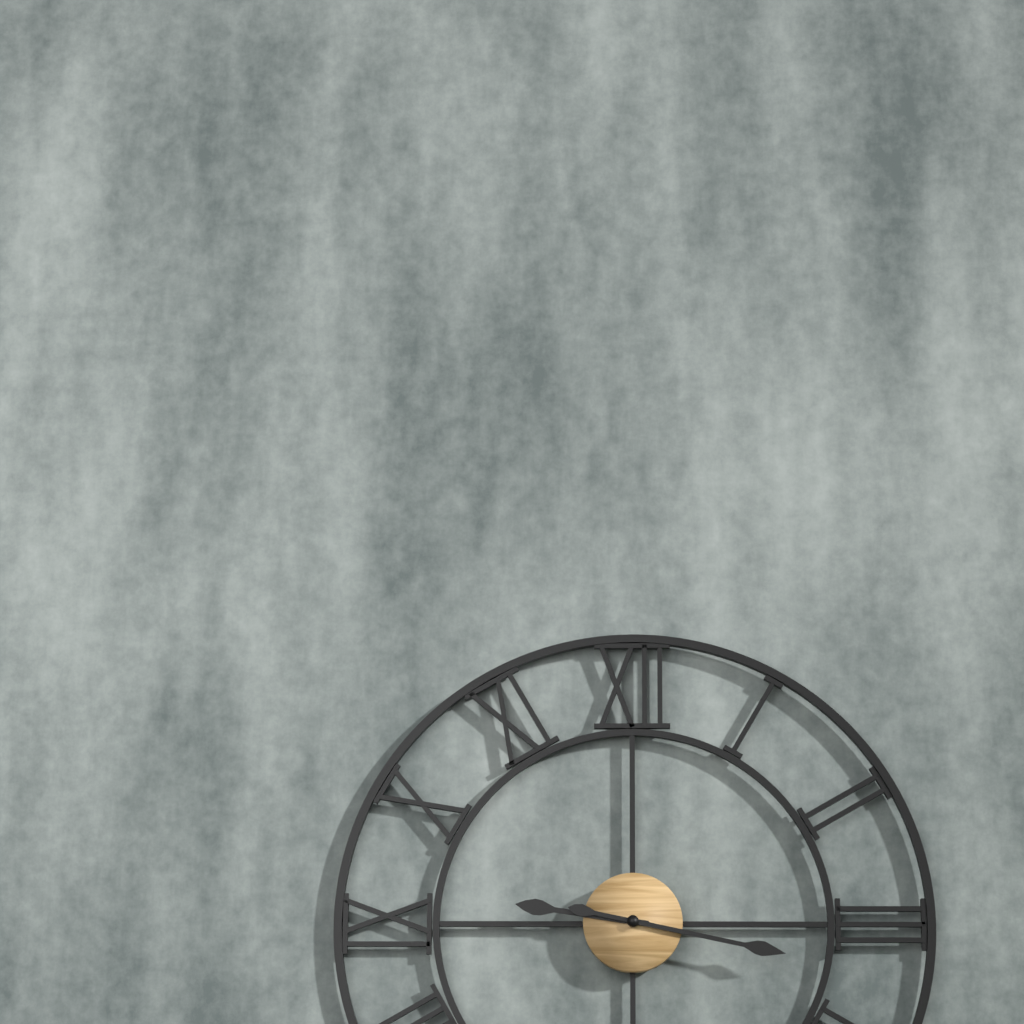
9:17
